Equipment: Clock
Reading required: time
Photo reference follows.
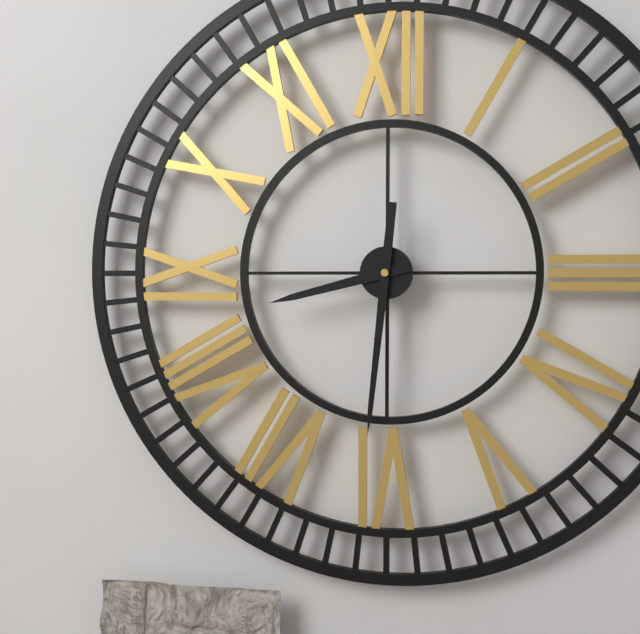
8:31
